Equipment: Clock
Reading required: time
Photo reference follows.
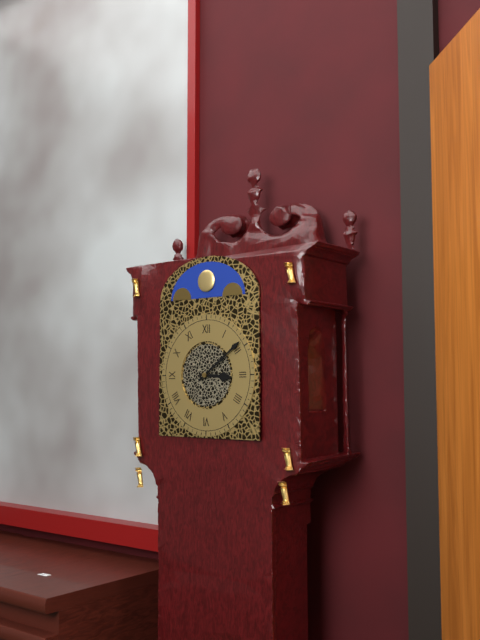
3:09
